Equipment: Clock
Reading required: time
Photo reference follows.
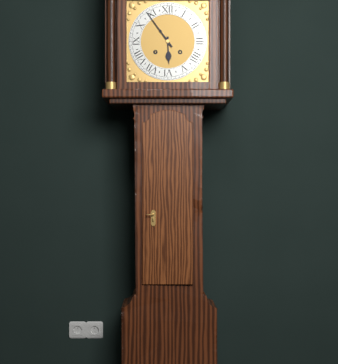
5:54
